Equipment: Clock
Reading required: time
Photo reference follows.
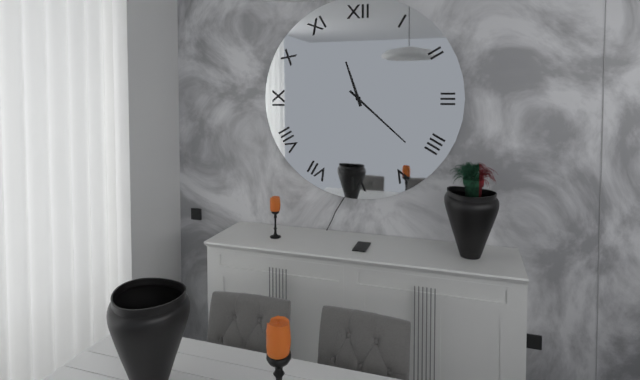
11:22
